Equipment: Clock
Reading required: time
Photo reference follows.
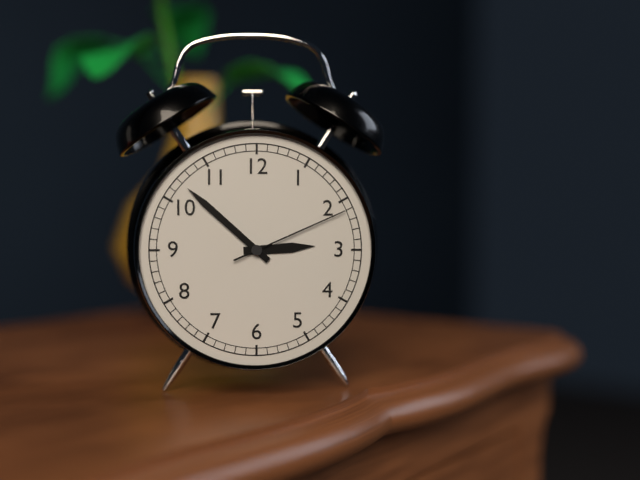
2:52:11
